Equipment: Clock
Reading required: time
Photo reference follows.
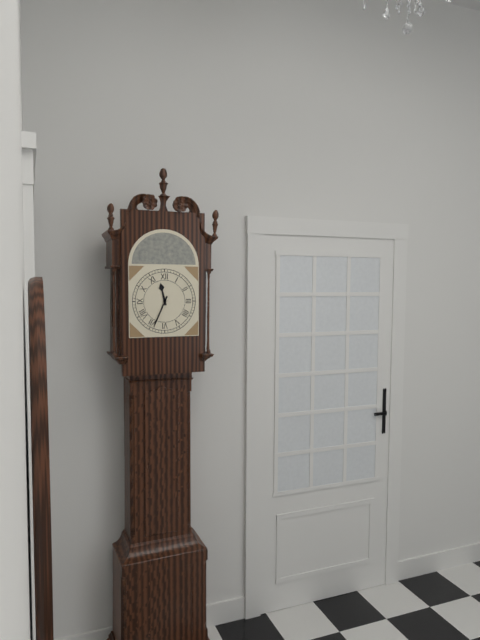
11:34
